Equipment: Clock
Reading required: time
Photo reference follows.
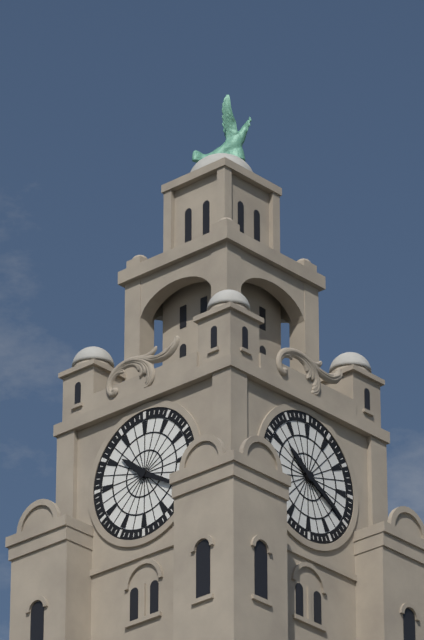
10:20
